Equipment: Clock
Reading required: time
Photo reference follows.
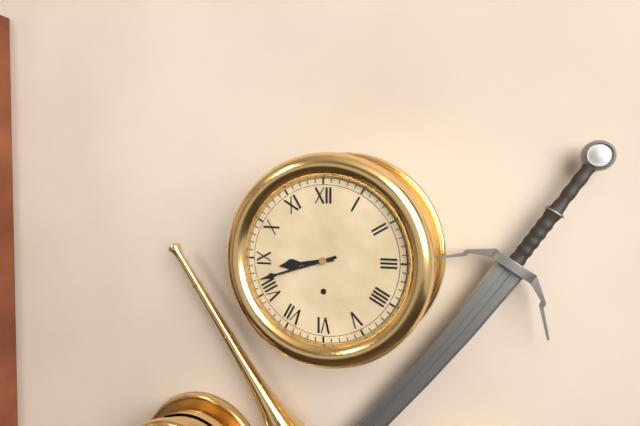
8:42
